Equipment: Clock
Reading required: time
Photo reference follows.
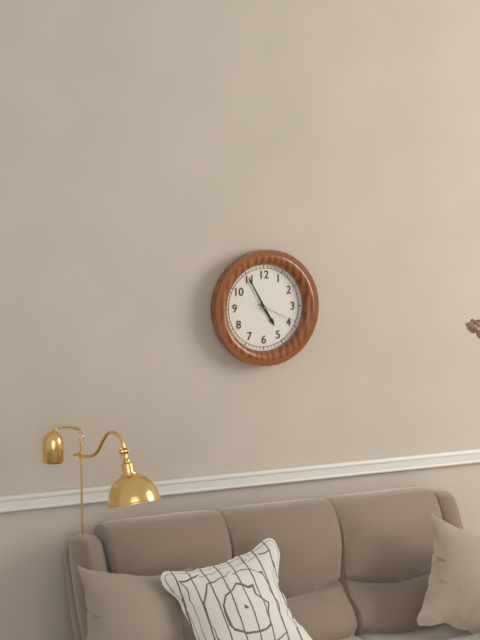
4:55
